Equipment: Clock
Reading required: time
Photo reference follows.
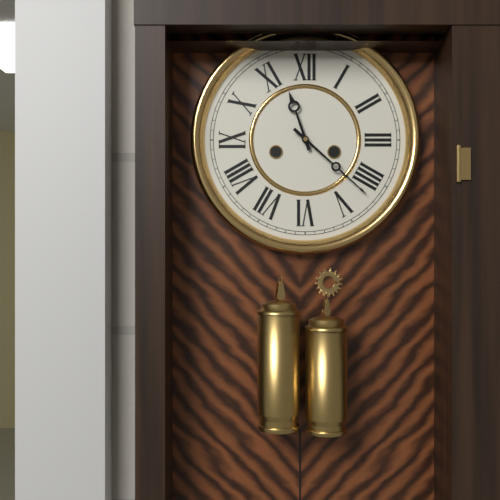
11:22
